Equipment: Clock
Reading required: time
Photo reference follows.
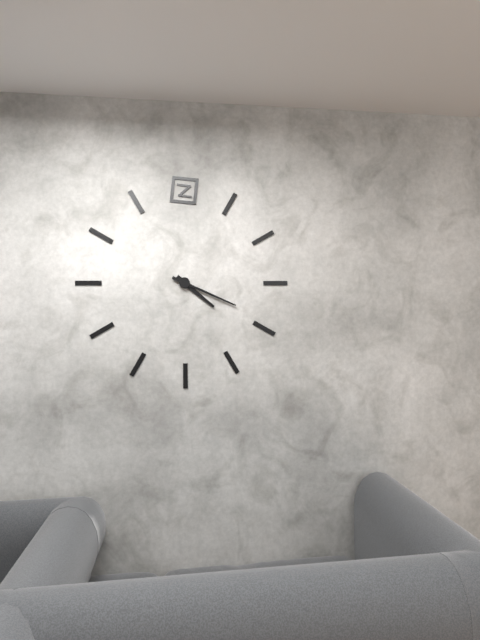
4:19
